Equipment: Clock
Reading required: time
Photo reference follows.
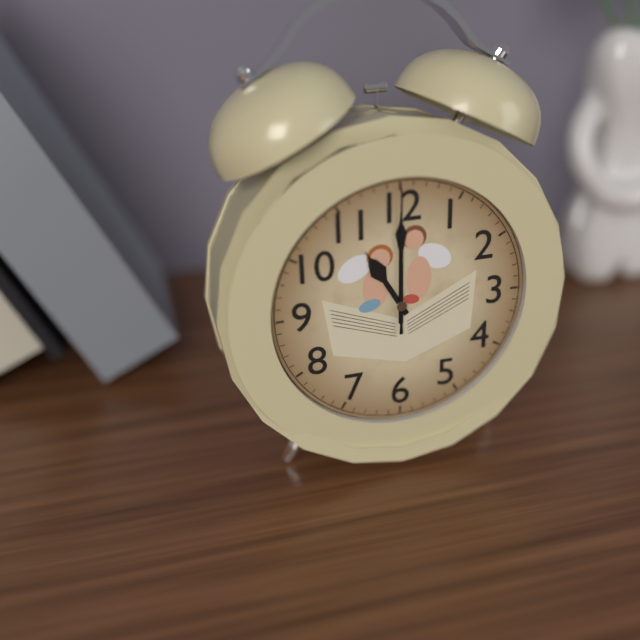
11:00:00
